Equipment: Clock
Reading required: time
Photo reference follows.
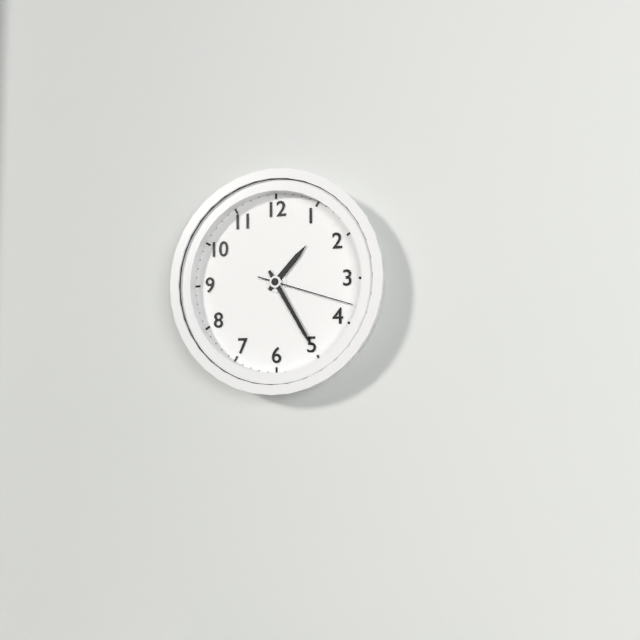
1:25:18
